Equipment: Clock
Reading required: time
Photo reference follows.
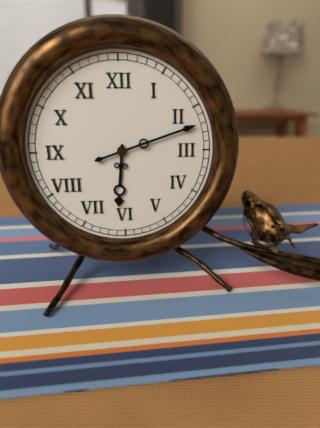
6:12
